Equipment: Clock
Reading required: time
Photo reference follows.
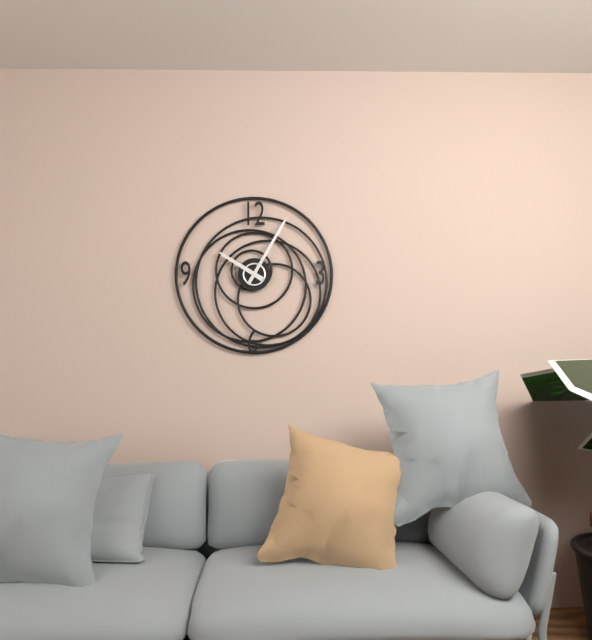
10:05
